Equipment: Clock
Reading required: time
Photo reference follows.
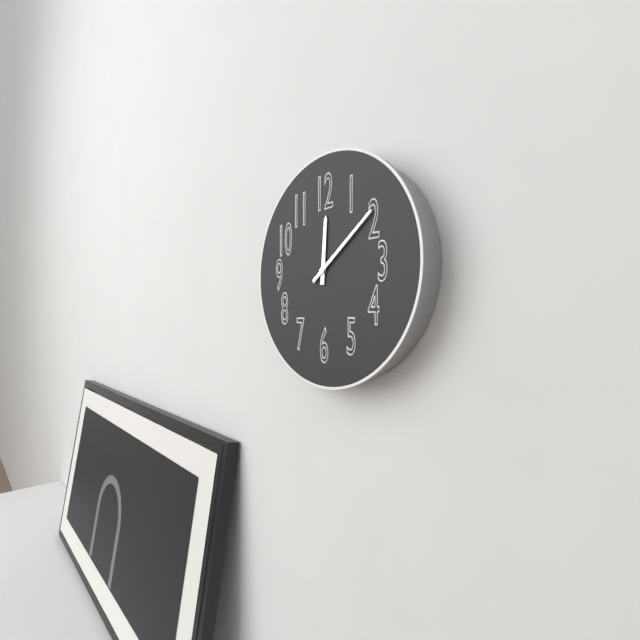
12:09
